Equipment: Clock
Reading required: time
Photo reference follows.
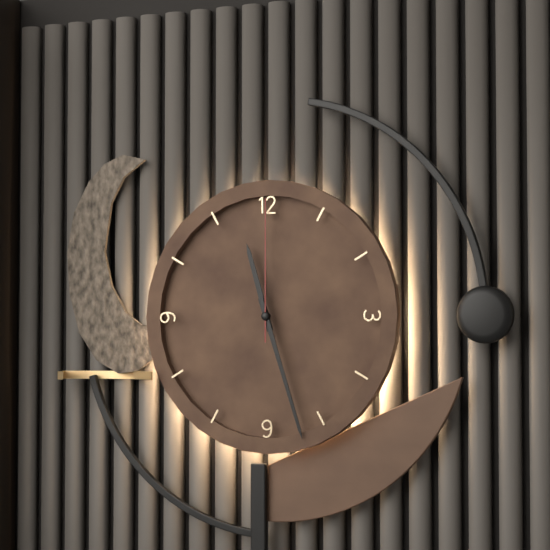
11:27:00
